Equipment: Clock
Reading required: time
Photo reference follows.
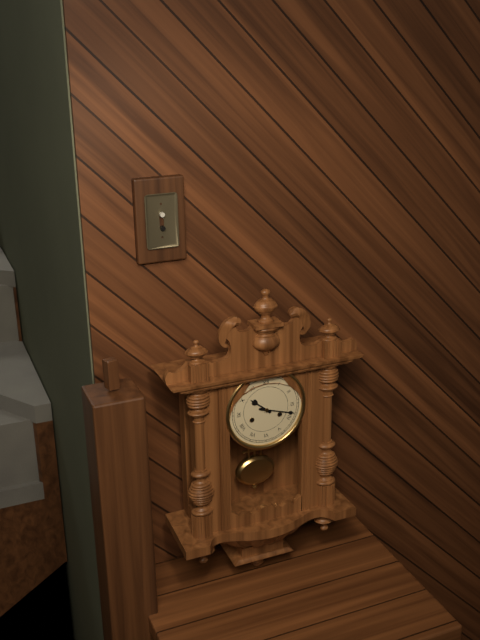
10:18
